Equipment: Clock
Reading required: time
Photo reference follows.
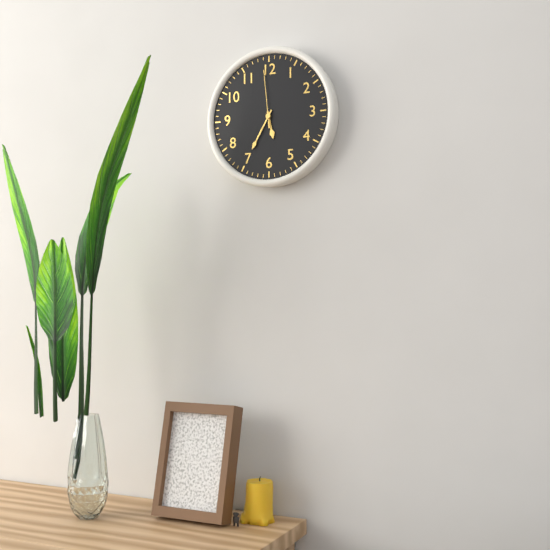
5:35:59
